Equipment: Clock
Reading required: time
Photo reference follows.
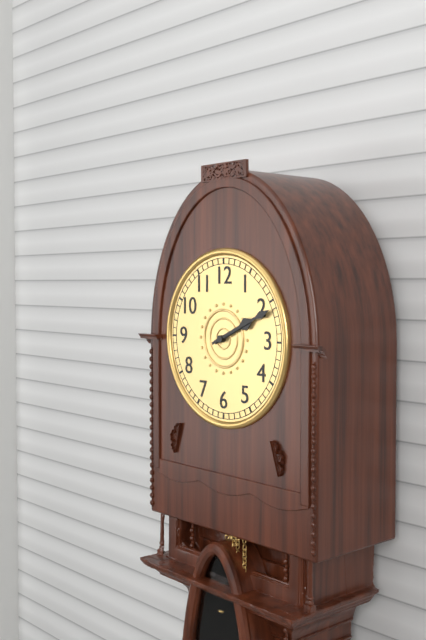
2:11
